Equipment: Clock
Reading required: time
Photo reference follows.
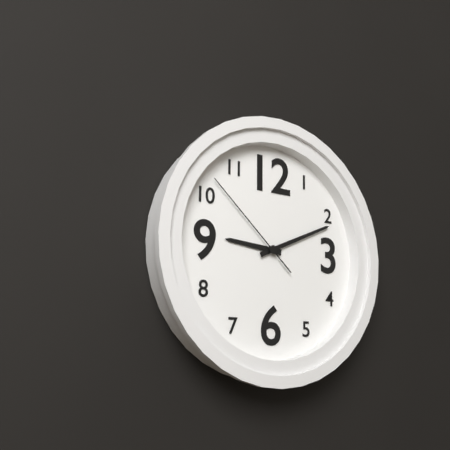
9:11:52
